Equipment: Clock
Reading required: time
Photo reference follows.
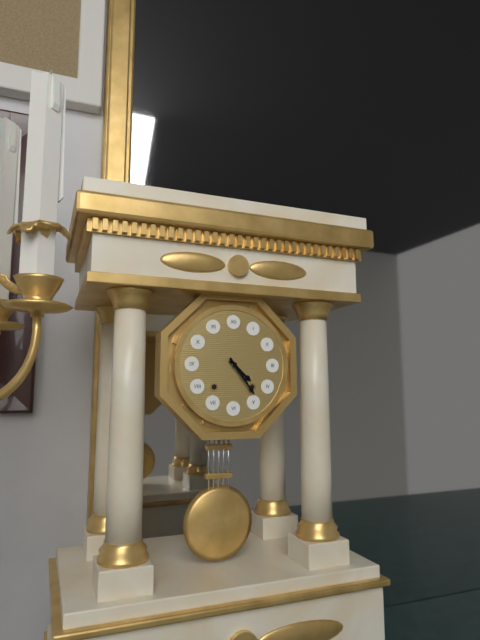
4:24
